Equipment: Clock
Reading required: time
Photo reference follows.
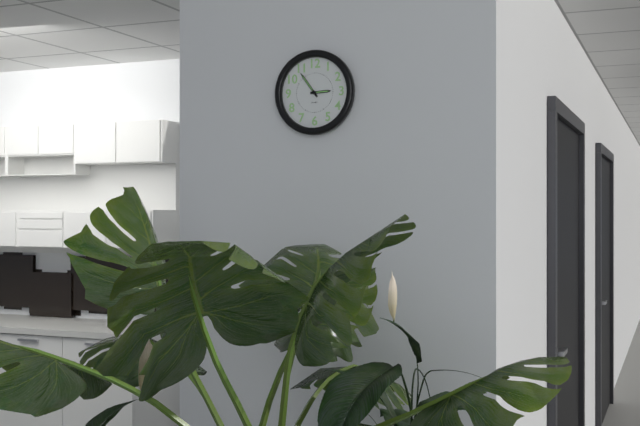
2:54
